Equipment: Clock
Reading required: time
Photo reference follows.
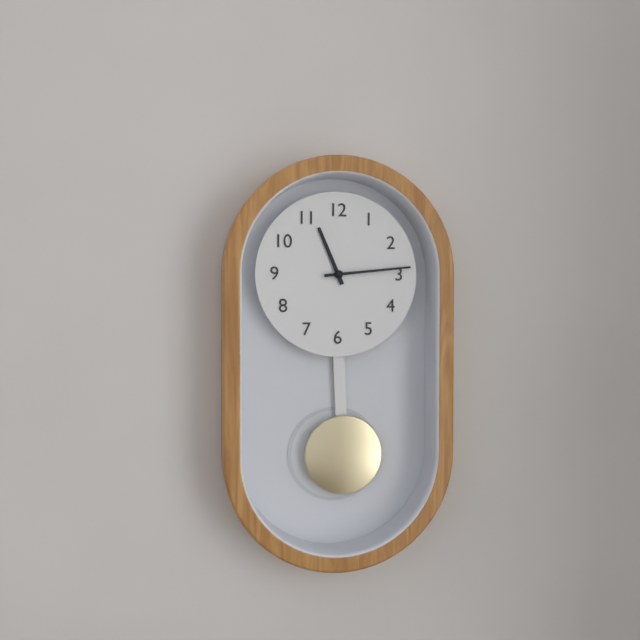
11:14
